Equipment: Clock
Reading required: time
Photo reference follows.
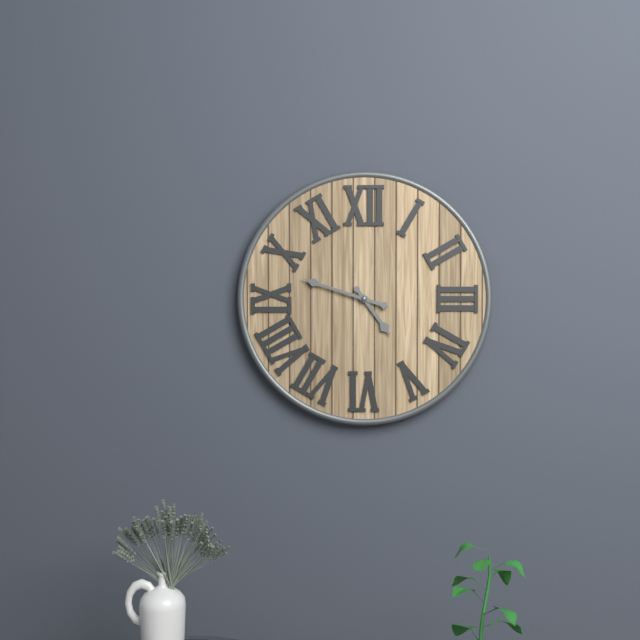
4:48
